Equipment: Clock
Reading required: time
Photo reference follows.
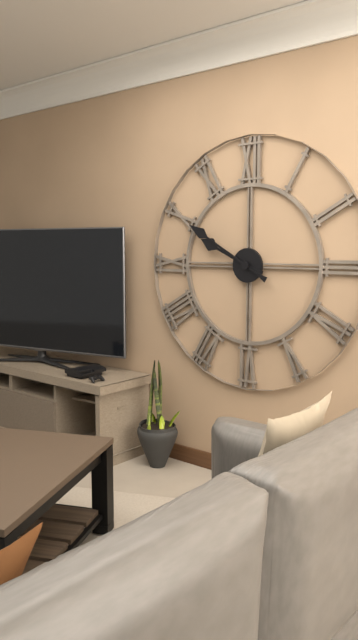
9:50
